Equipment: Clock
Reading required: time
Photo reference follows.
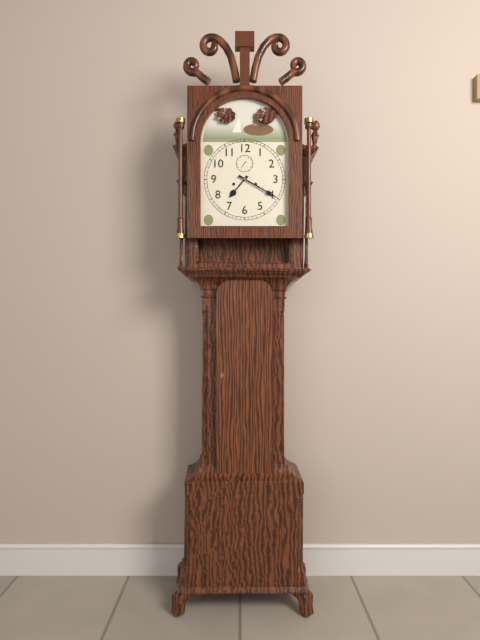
7:20
